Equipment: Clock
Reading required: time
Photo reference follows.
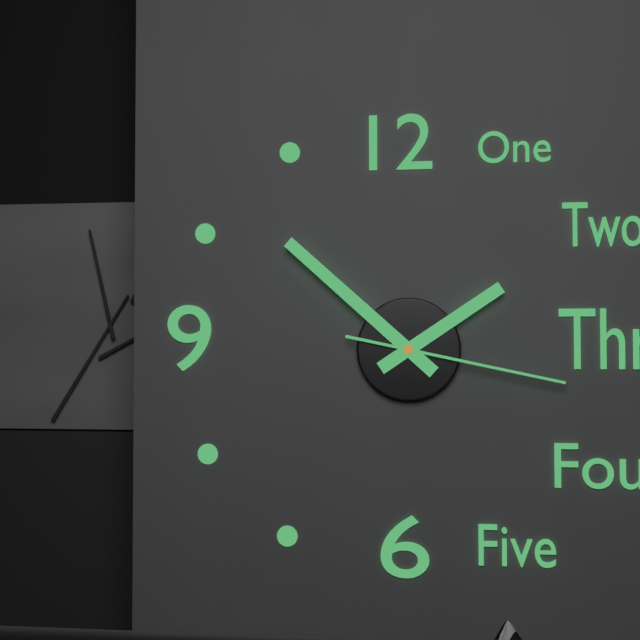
1:52:17
